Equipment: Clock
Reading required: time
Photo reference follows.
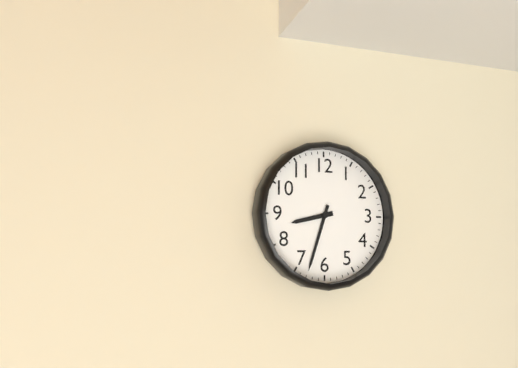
8:33
